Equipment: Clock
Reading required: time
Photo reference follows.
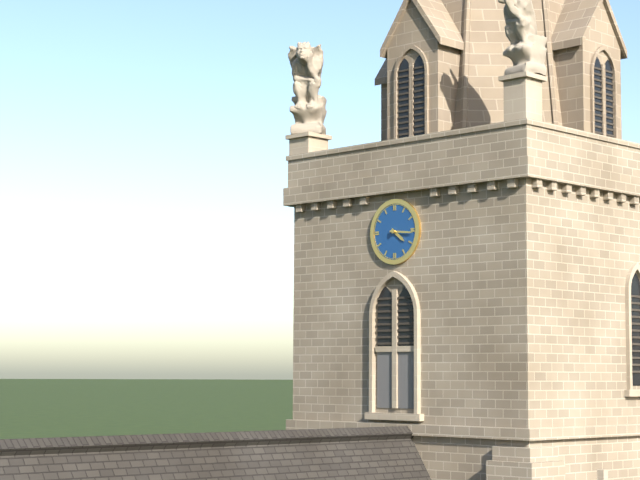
4:16
